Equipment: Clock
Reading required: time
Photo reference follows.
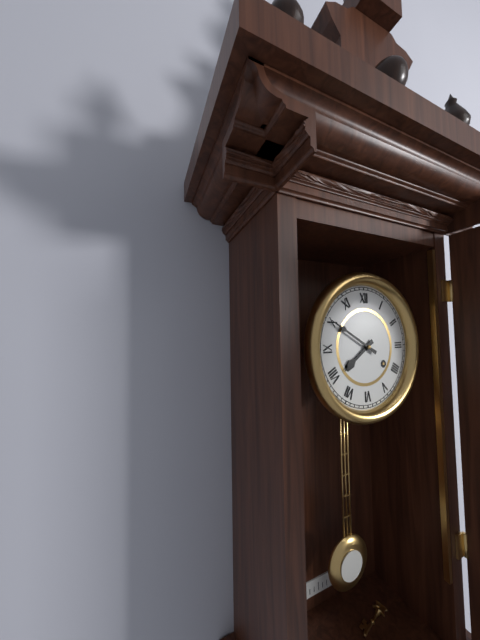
7:50
